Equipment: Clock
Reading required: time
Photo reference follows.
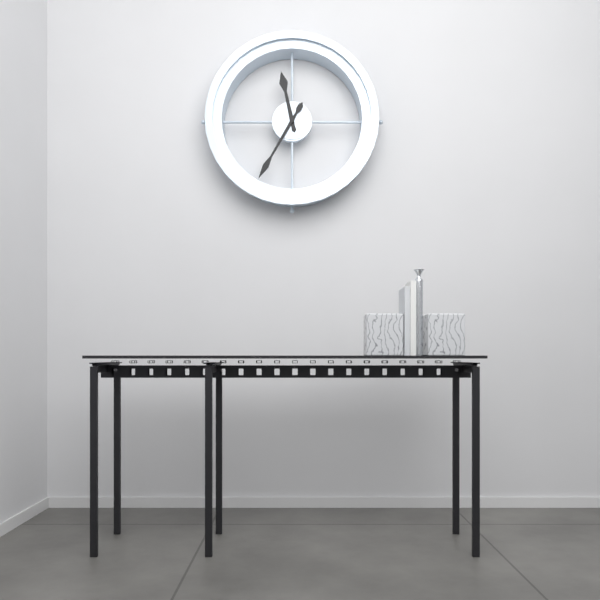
11:35
